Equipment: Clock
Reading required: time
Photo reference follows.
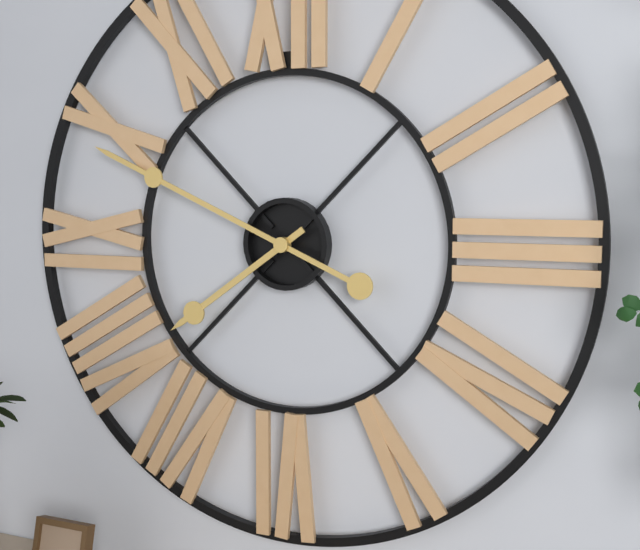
7:49
